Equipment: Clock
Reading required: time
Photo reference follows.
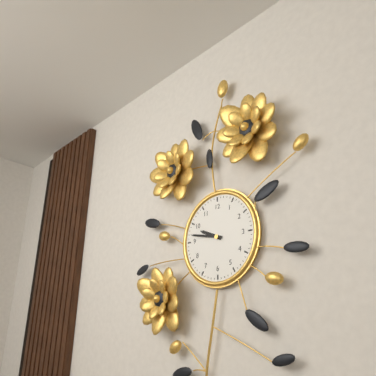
9:47
